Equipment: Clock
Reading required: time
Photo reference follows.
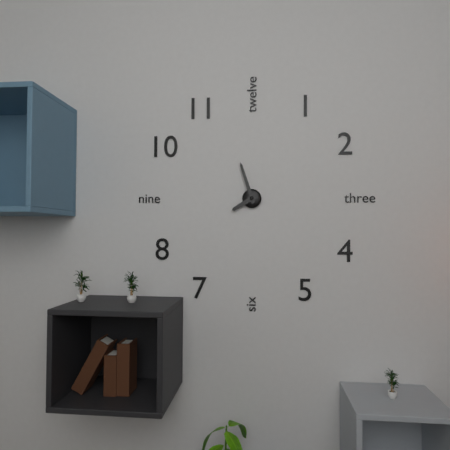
7:57
